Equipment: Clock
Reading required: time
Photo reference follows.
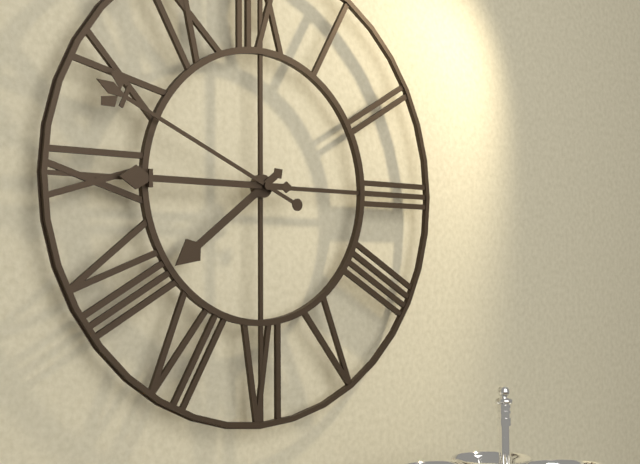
7:45:49
